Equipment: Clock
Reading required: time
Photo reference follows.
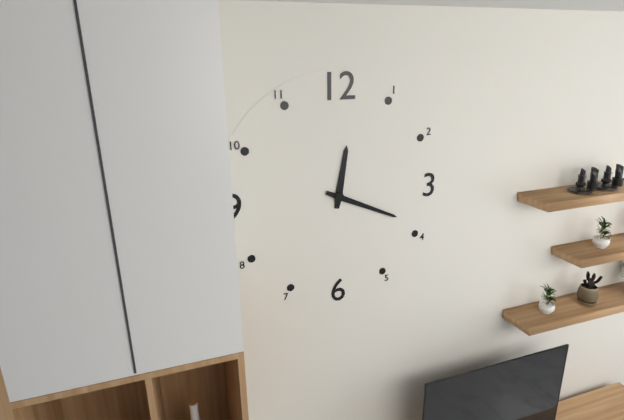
12:19
